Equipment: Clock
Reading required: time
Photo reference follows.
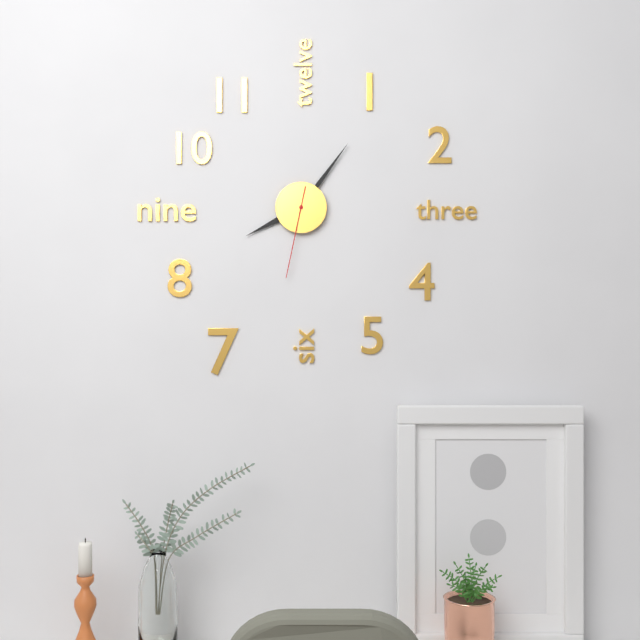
8:06:32
